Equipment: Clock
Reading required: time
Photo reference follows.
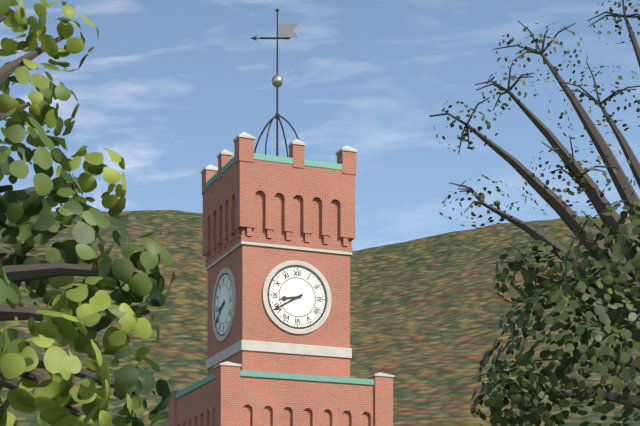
8:40
